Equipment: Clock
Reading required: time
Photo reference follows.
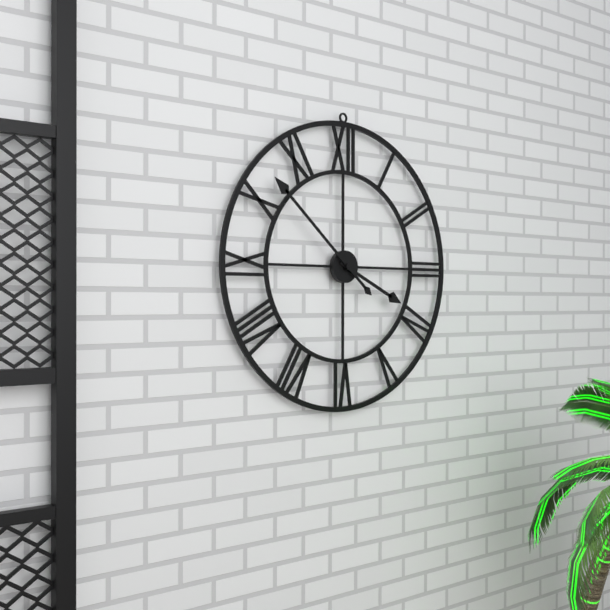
3:52
